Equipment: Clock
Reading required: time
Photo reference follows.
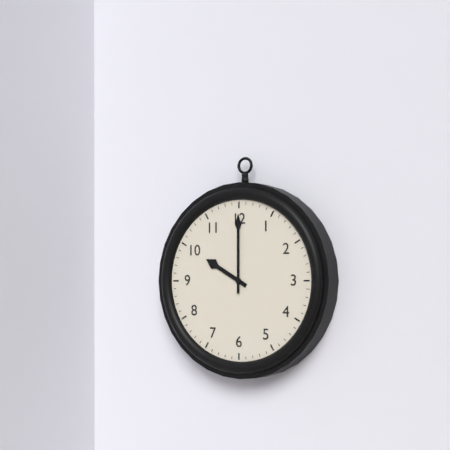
10:00
